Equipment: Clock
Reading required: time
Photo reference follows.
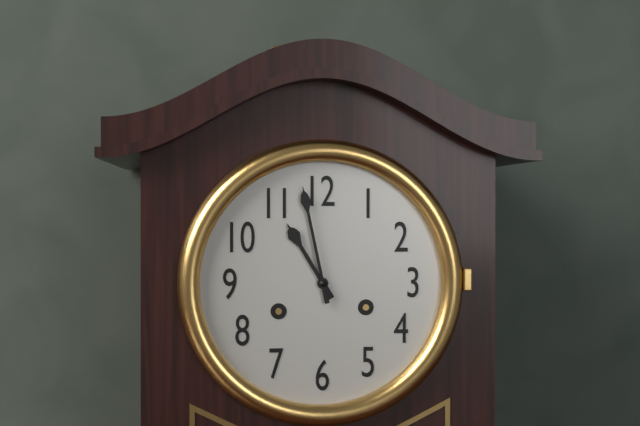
10:58
